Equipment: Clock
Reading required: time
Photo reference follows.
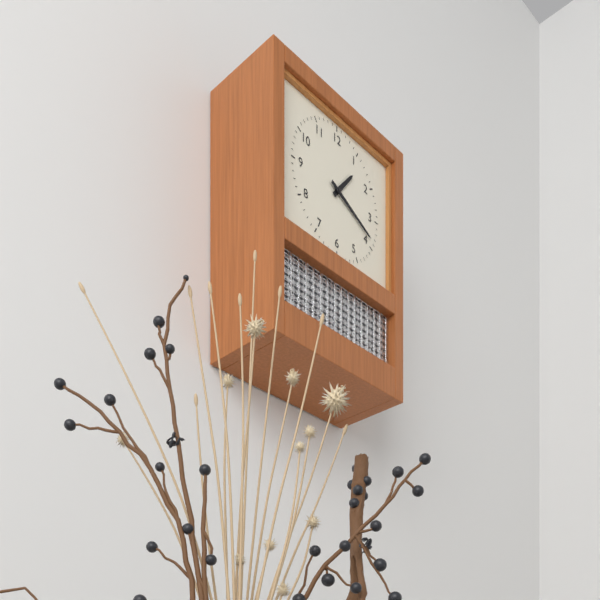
1:19
